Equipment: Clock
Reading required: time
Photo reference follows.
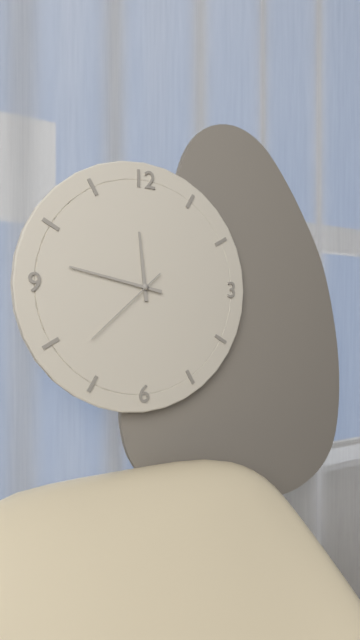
11:47:38
